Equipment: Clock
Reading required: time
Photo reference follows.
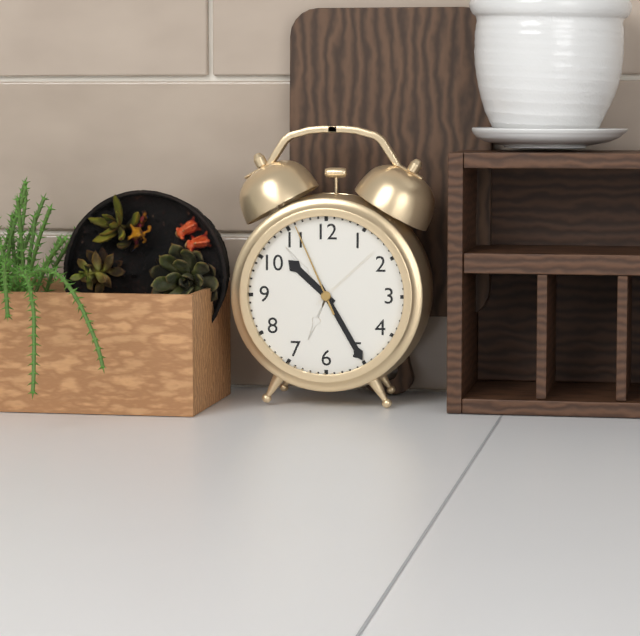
10:25:56
